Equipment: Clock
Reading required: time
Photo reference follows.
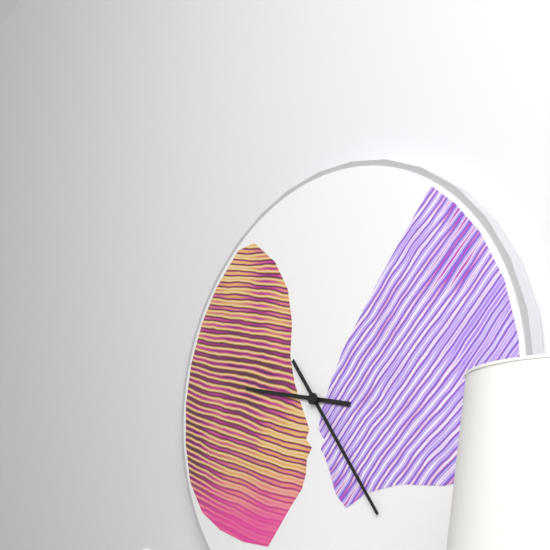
9:24
